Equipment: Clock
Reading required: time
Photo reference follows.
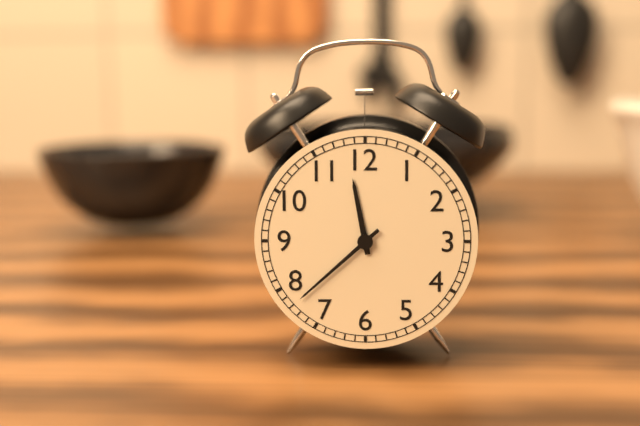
11:38
